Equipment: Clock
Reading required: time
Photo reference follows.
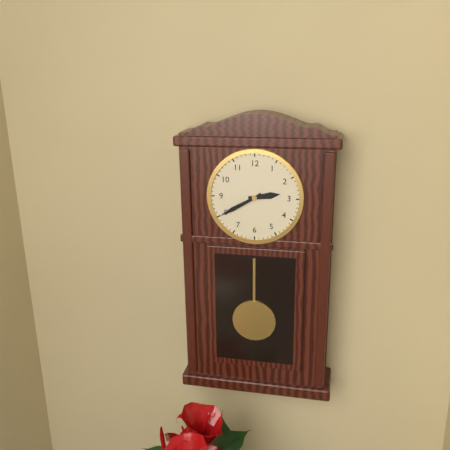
2:40
